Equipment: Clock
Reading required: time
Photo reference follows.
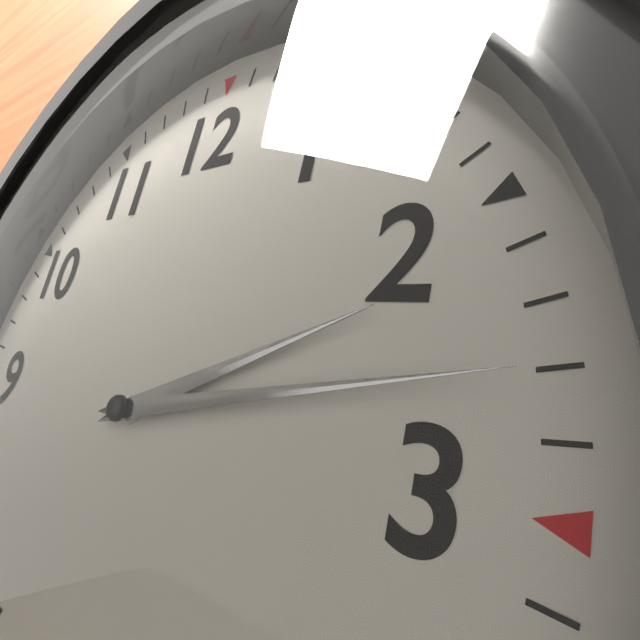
2:13
